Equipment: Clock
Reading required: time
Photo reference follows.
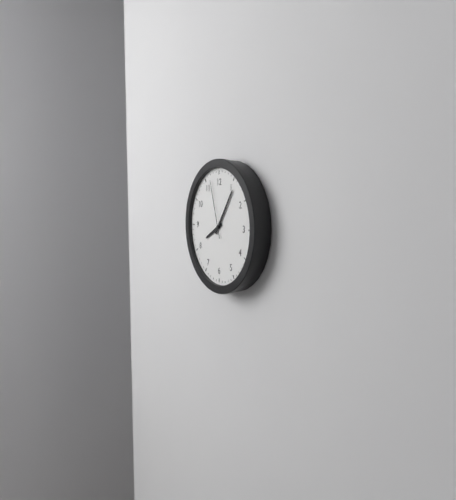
8:06:57
